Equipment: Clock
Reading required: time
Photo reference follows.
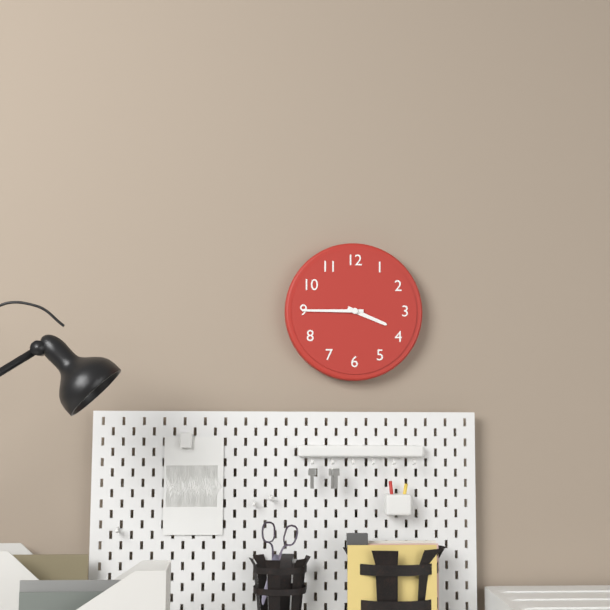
3:45
